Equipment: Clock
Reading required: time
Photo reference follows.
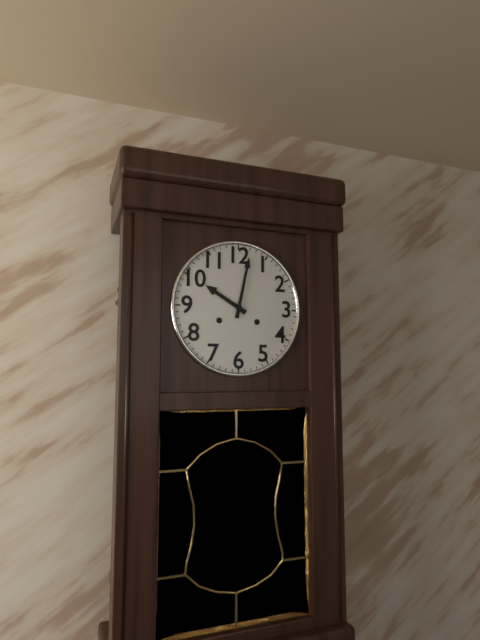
10:02
